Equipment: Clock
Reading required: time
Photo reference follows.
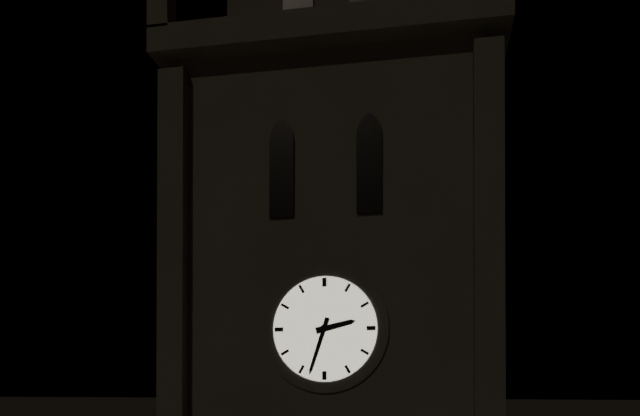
2:33
